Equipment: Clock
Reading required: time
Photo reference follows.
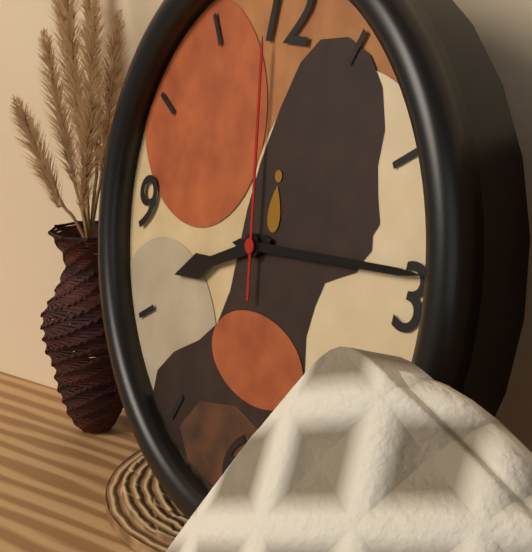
8:14:59
